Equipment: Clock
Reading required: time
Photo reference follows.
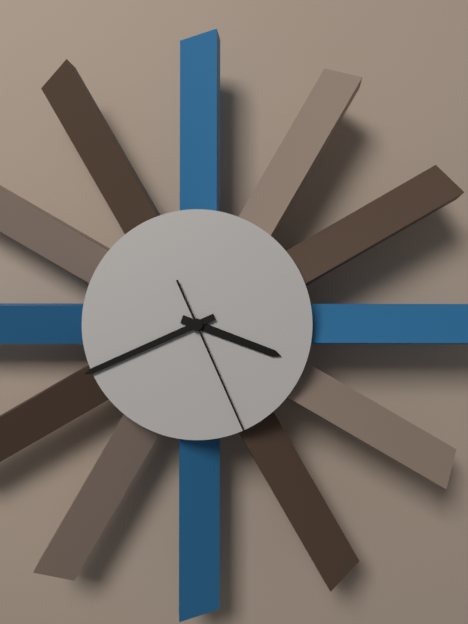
3:41:26
